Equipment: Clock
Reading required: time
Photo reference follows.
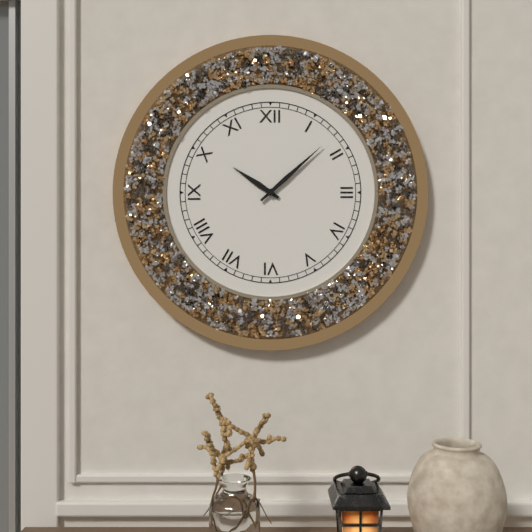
10:08
